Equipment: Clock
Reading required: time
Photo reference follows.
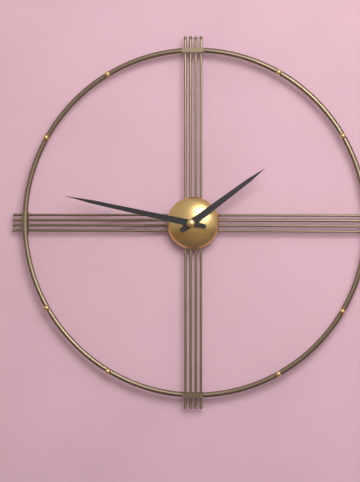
1:47
